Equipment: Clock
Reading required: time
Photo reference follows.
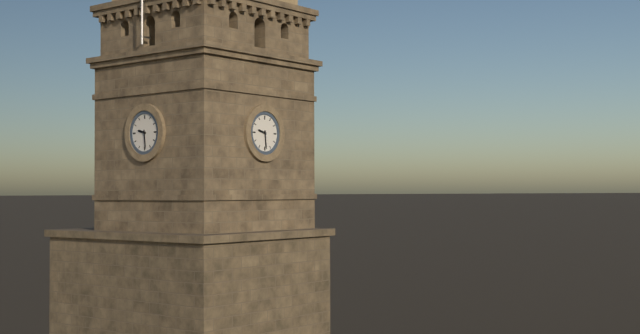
9:29
